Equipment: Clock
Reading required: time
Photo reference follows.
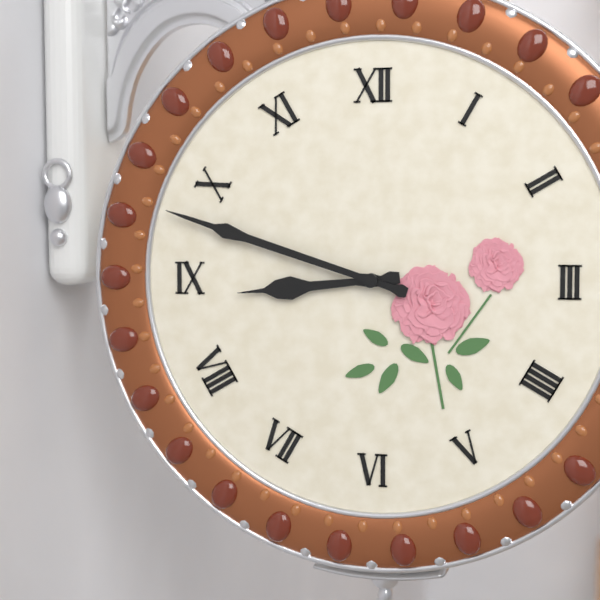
8:48
